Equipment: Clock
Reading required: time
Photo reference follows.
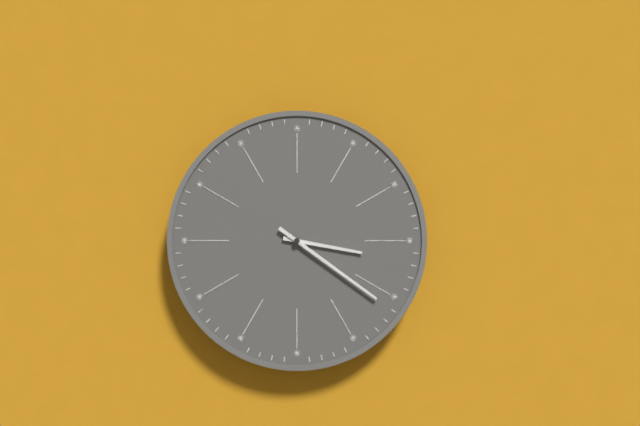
3:21
